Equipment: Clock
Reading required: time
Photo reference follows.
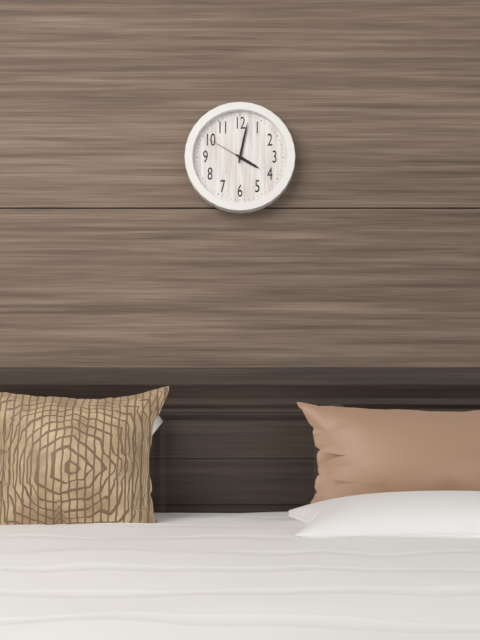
4:02
